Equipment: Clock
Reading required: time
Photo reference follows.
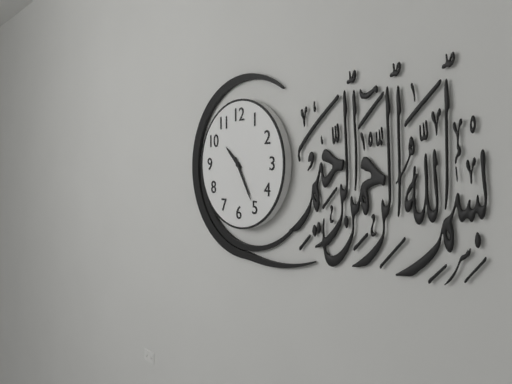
10:25
